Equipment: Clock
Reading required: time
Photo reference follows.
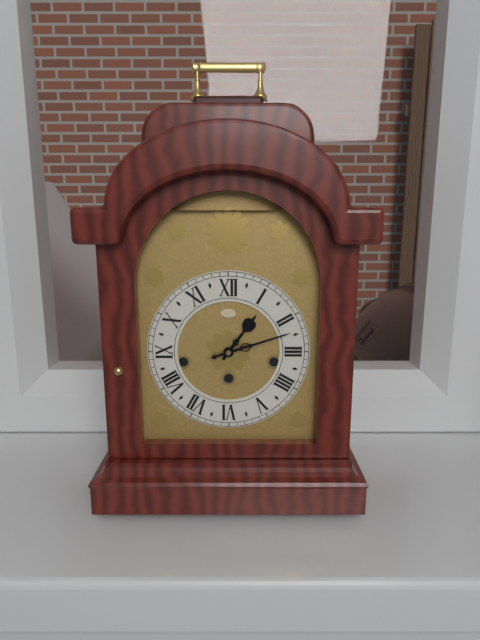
1:12
